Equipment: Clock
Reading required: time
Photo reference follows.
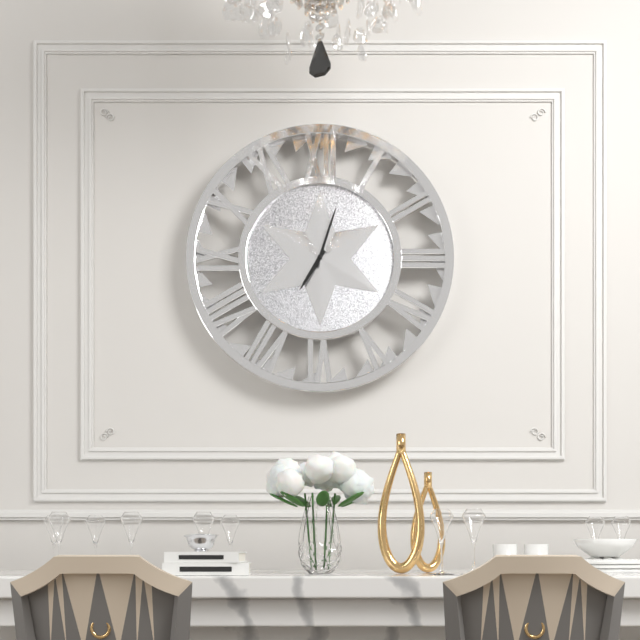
7:03
